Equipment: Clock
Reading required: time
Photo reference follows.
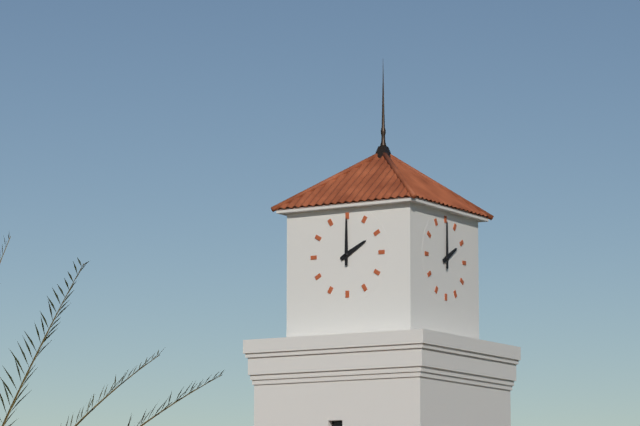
2:00
